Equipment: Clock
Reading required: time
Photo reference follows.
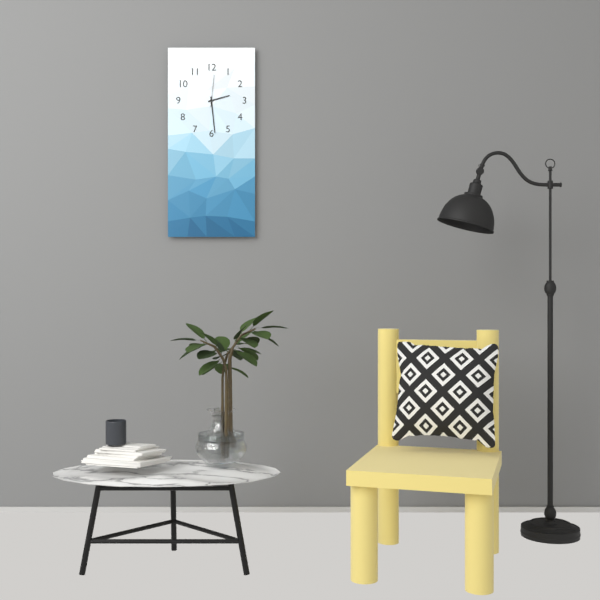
2:29
